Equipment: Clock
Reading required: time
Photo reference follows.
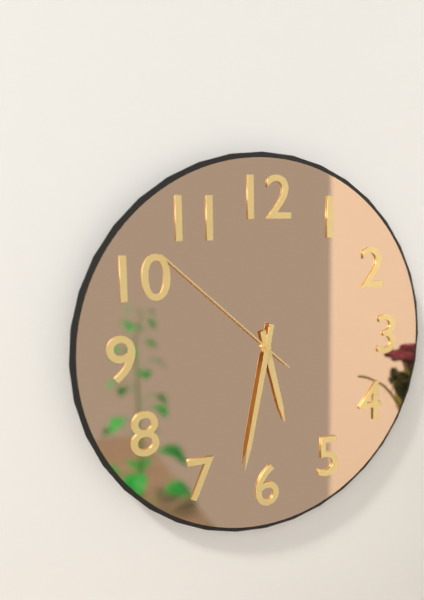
5:32:52
